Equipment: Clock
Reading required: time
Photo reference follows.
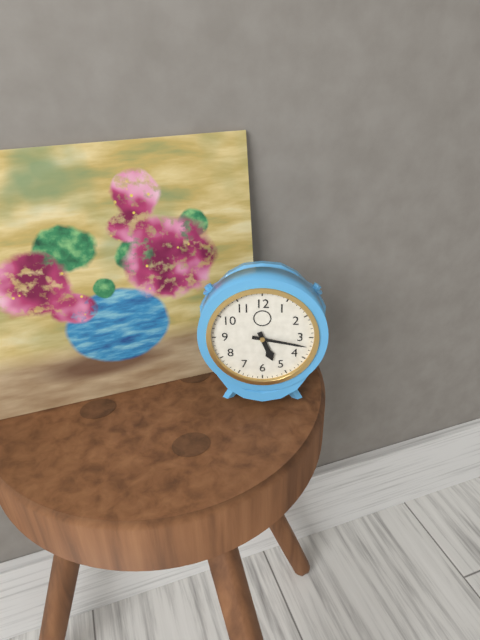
5:17
